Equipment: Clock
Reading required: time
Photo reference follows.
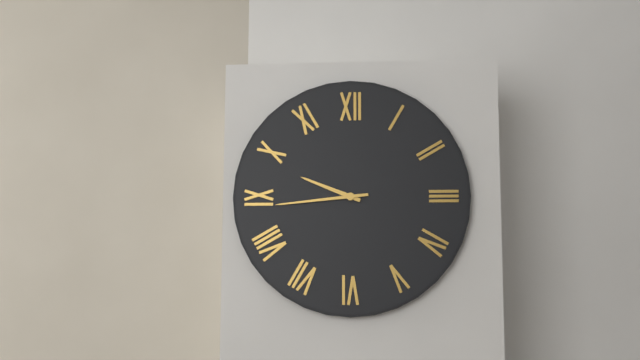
9:44
